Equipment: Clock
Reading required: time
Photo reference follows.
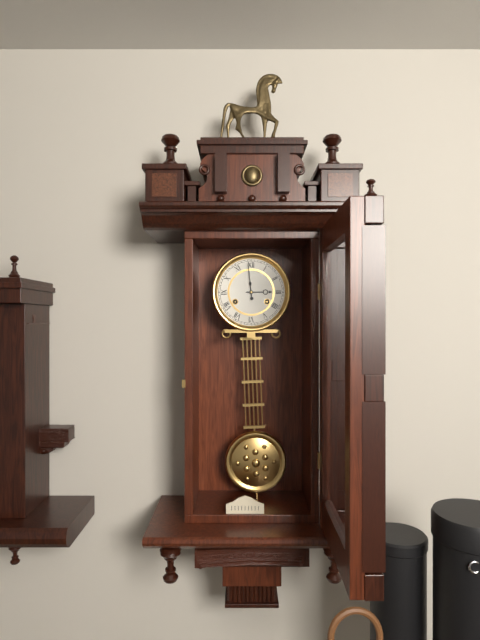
2:59
